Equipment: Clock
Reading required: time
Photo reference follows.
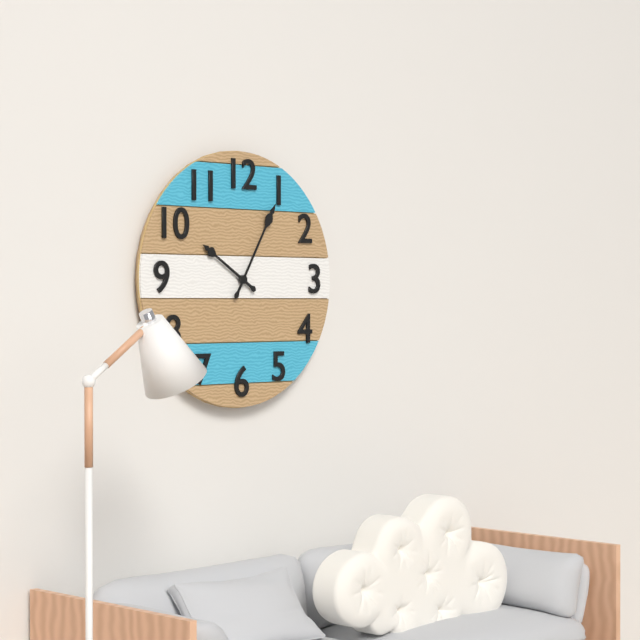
10:05
